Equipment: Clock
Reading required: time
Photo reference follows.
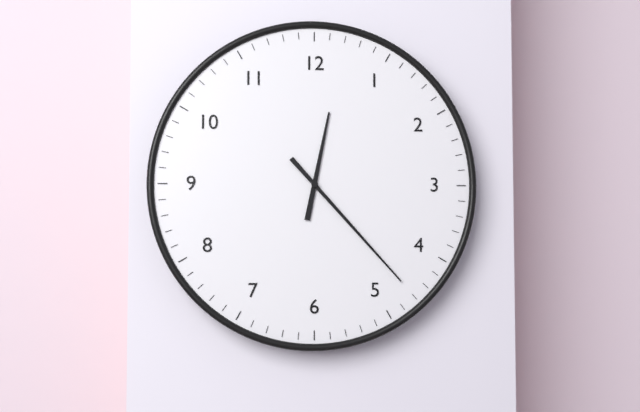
12:23
